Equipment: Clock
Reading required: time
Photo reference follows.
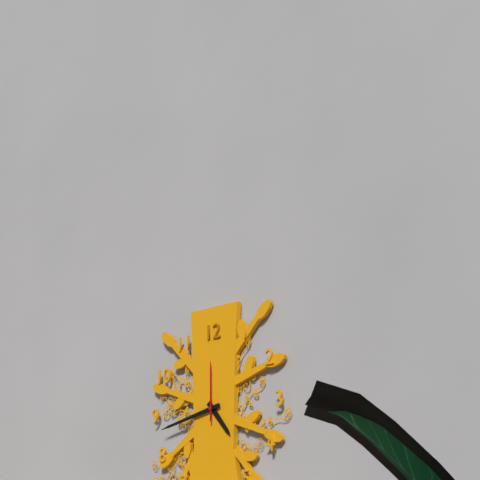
4:43:00
